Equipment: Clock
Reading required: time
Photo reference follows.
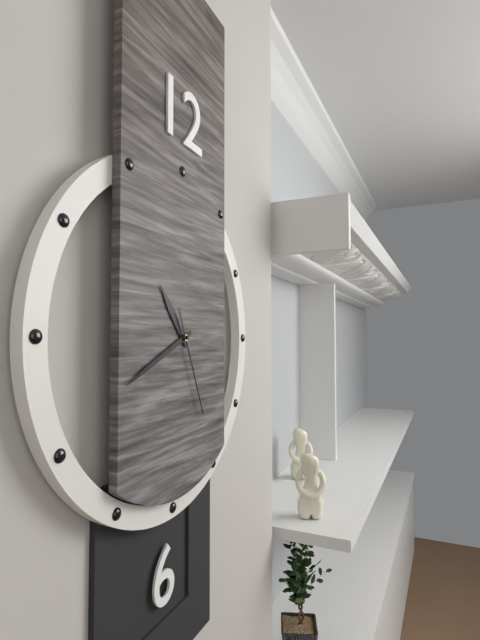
10:41:26
